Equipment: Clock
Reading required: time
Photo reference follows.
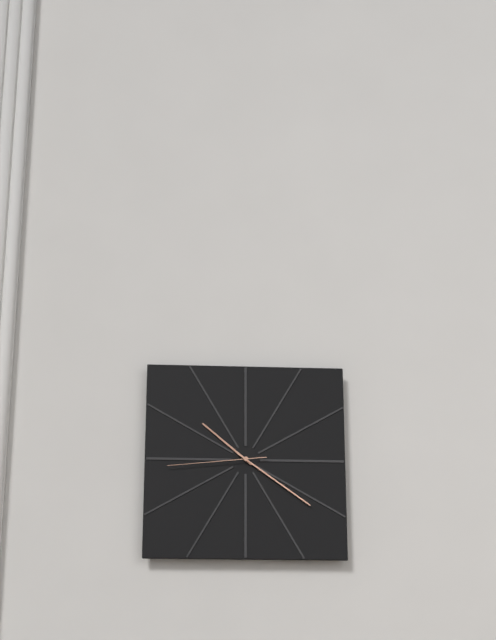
10:21:44
